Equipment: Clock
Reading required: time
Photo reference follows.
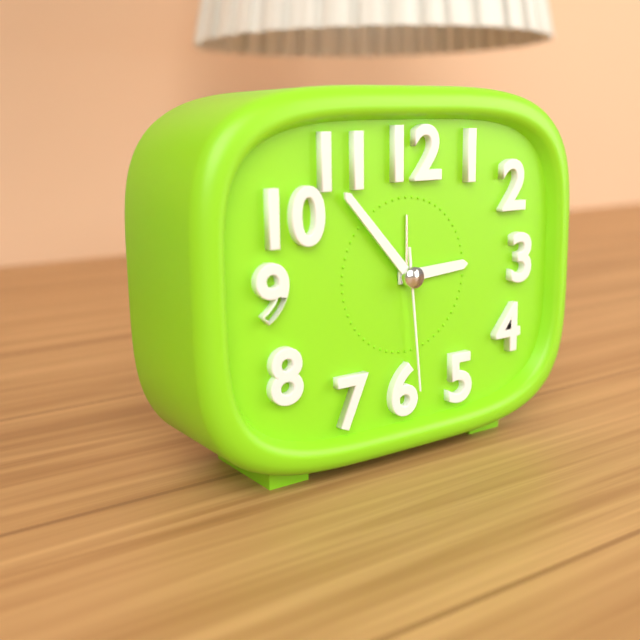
2:53:29
